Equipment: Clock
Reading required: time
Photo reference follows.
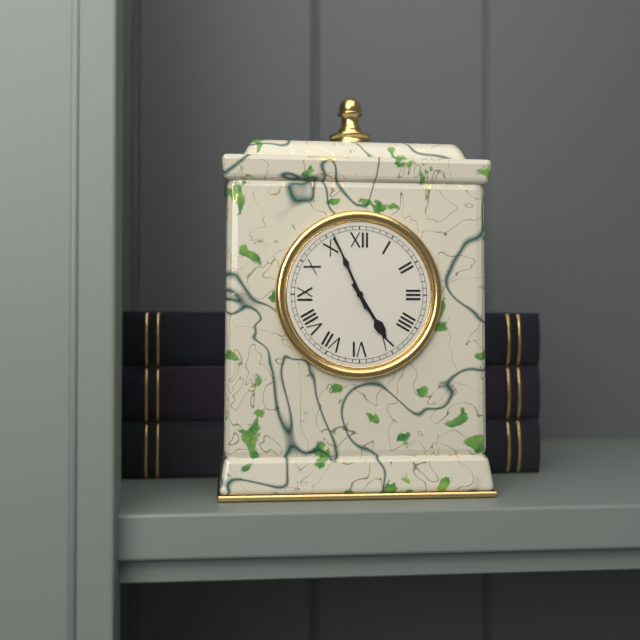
4:56
